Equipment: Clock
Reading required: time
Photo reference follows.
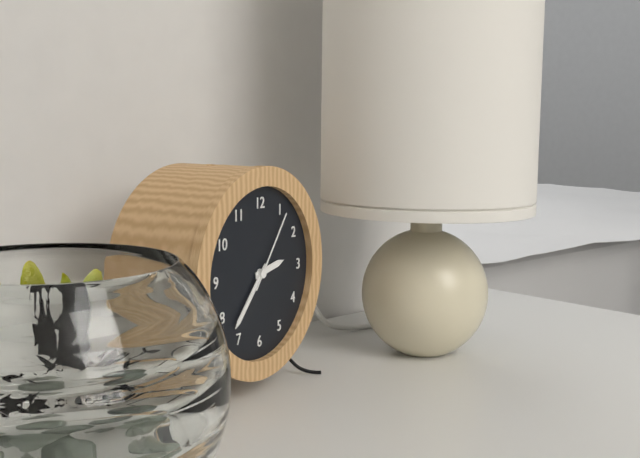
2:37:06
